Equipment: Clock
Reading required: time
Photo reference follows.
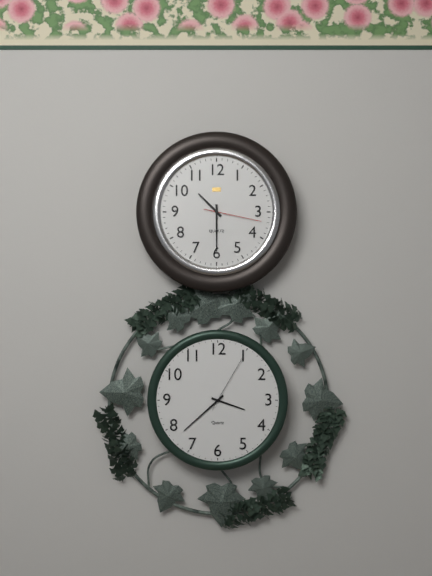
10:30:17
